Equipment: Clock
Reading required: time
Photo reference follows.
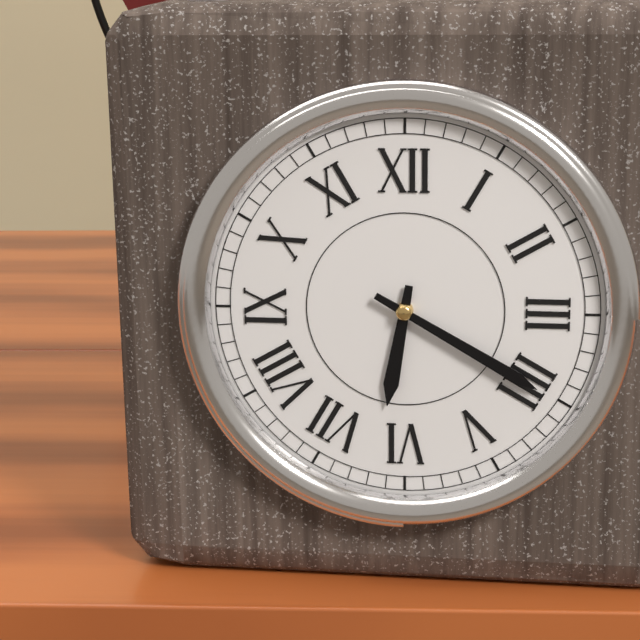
6:20
